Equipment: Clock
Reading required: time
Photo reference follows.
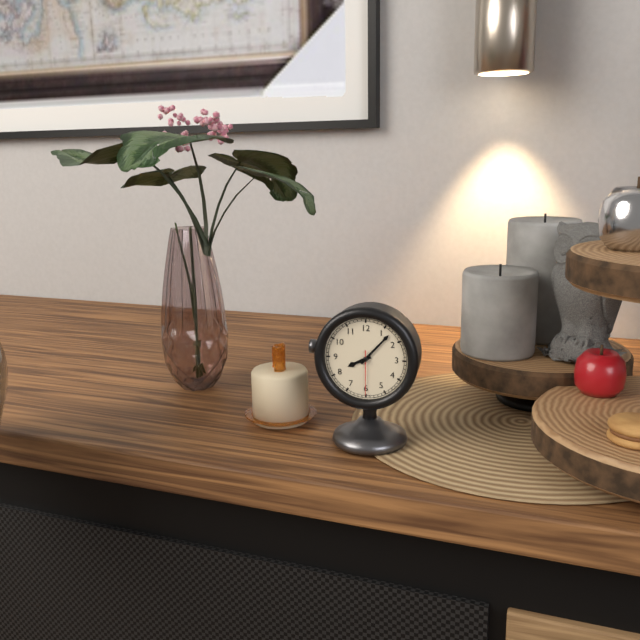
8:07
